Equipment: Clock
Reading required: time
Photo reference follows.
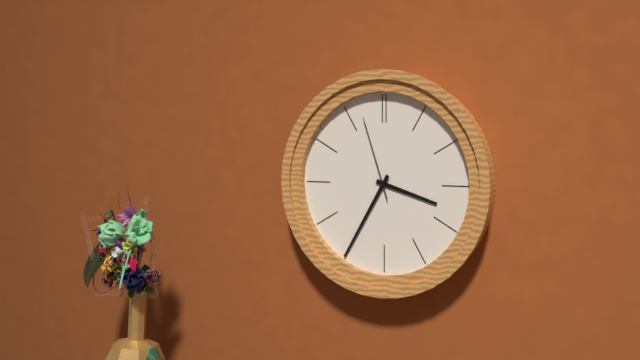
3:35:57
